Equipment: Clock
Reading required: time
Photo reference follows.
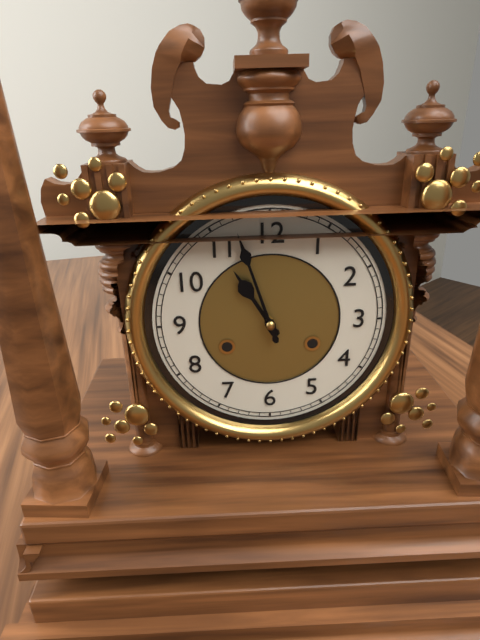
10:57
